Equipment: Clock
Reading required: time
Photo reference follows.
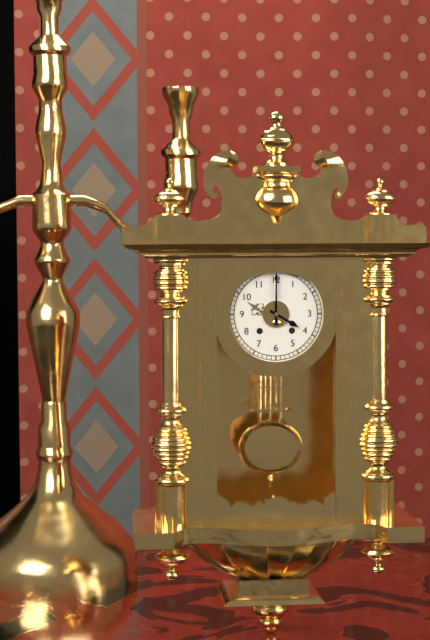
4:00
